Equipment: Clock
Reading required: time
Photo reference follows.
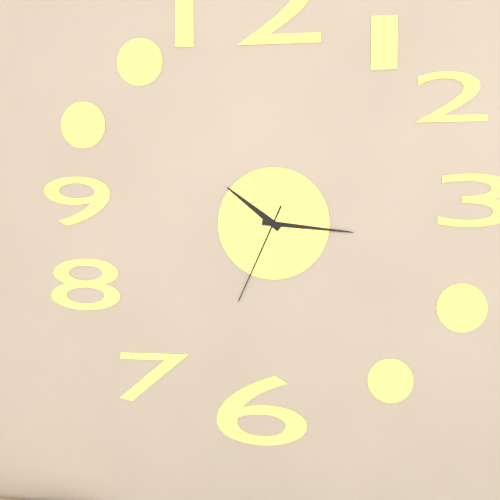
10:16:34
